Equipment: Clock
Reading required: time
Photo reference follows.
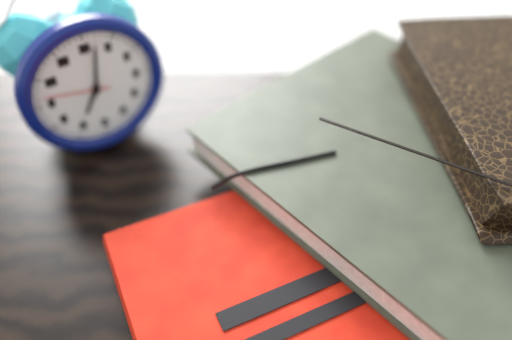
7:02:47
